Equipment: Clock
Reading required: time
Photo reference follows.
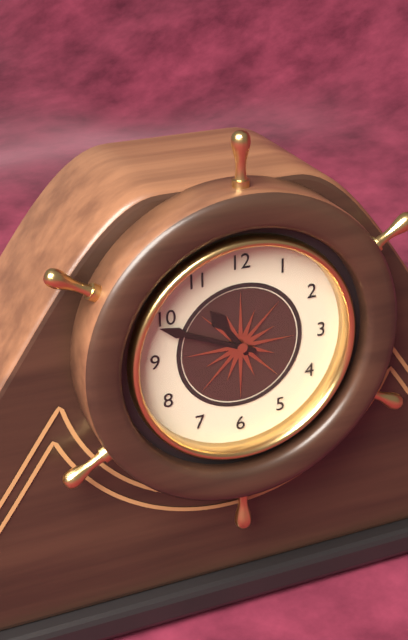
10:49
